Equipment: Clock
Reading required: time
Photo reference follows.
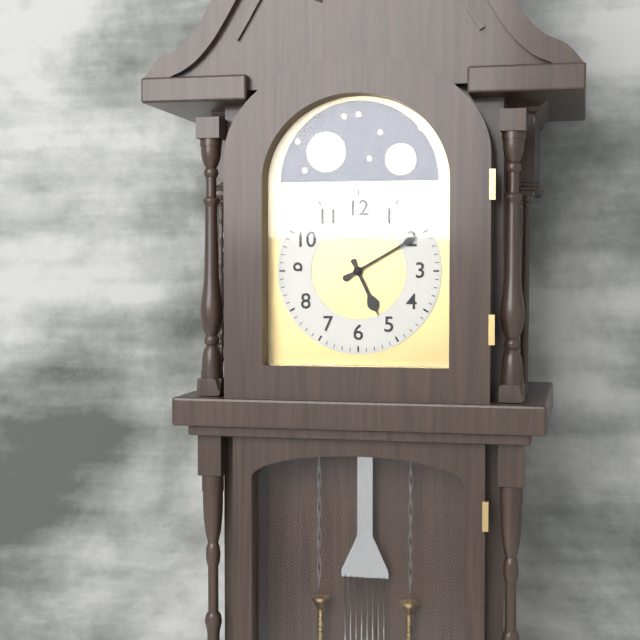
5:10
